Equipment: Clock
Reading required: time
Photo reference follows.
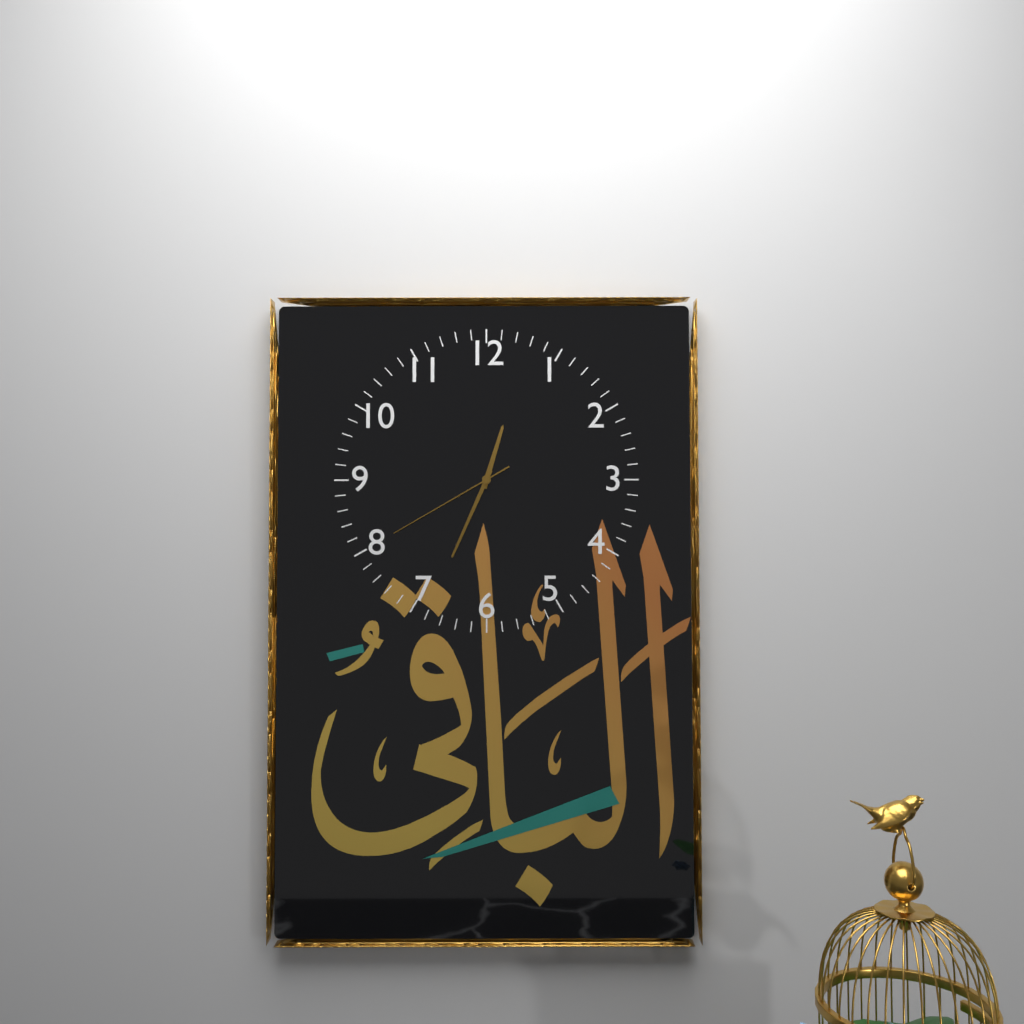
12:34:40
